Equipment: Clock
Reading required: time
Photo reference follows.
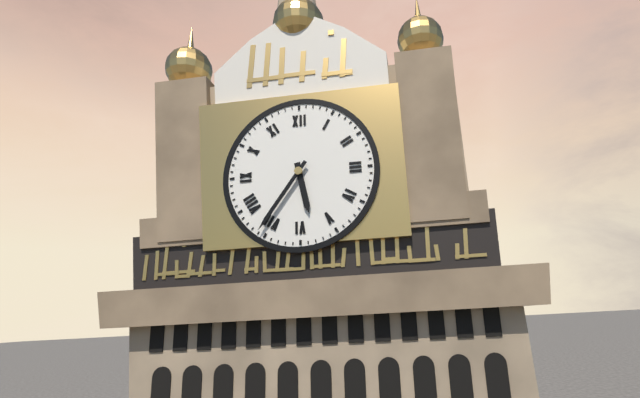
5:36
